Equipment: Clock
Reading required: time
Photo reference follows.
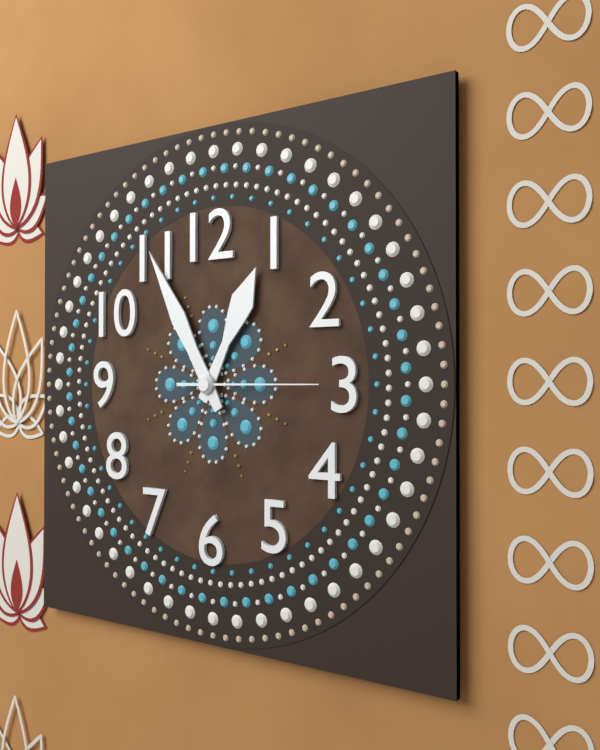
12:55:15
